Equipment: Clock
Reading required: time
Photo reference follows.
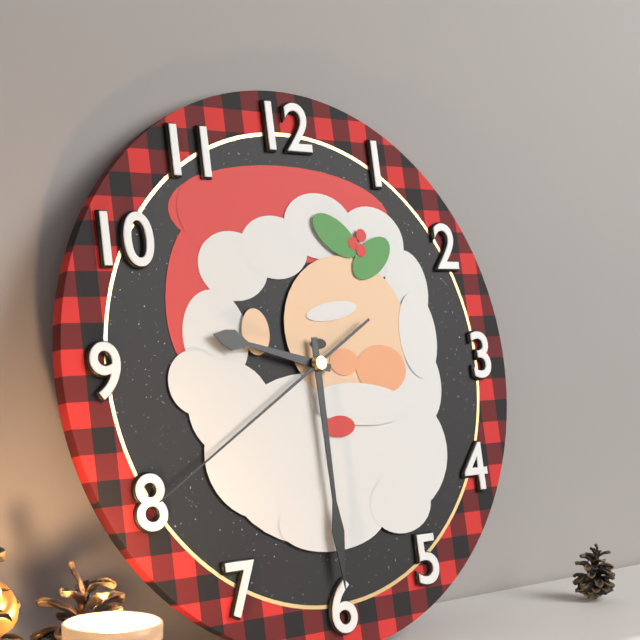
9:30:40
